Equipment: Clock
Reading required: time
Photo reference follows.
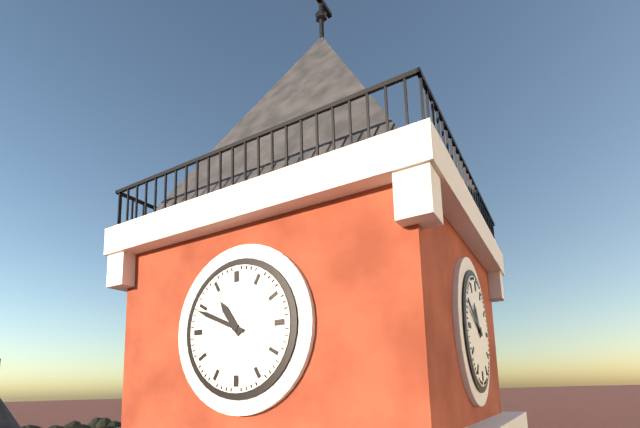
10:49
